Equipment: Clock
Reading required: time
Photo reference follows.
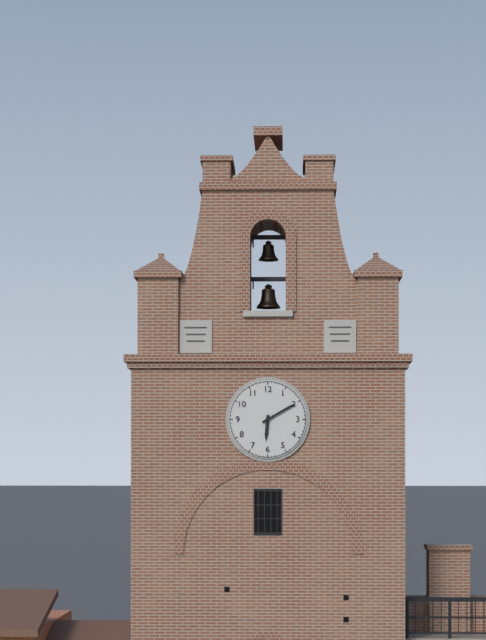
6:10
